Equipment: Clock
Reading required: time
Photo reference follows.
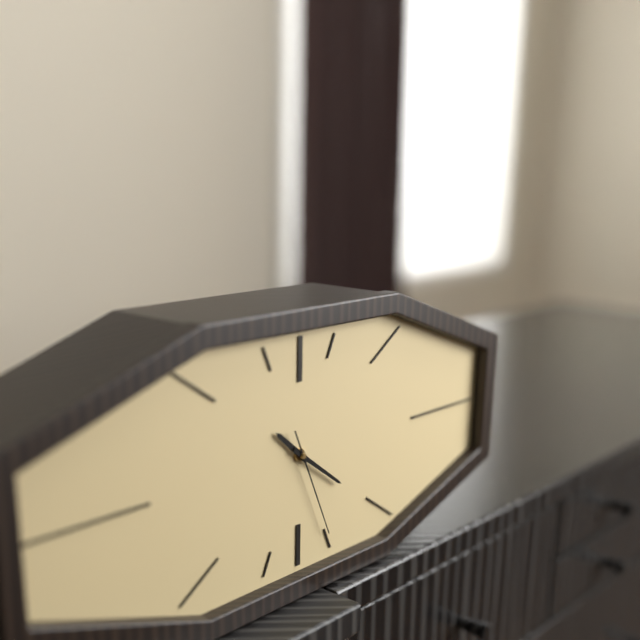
10:21:26
